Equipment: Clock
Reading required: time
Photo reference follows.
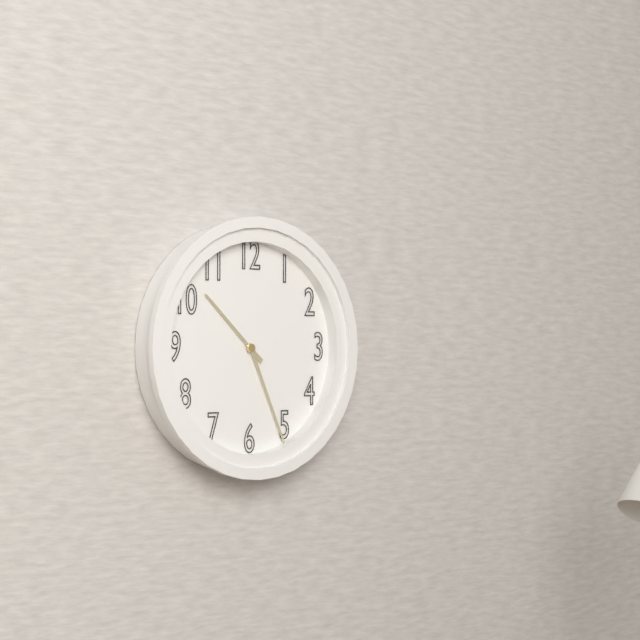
10:26
